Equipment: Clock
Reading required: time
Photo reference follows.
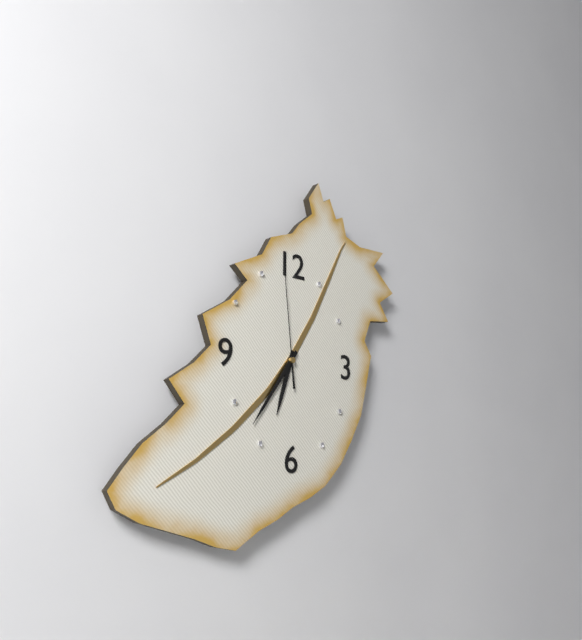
6:36:59
